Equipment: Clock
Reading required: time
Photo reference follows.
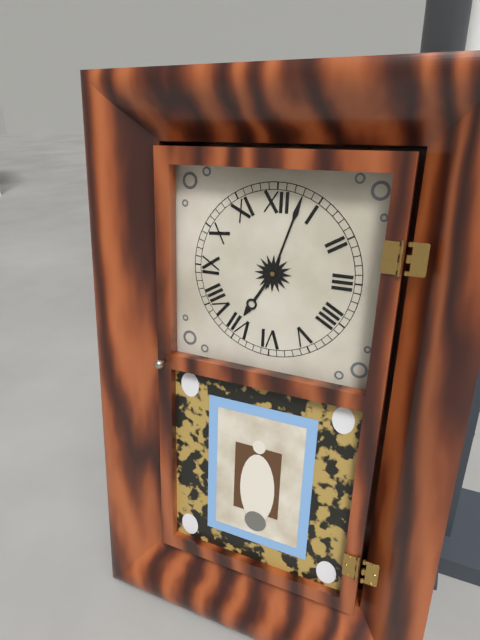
7:03
